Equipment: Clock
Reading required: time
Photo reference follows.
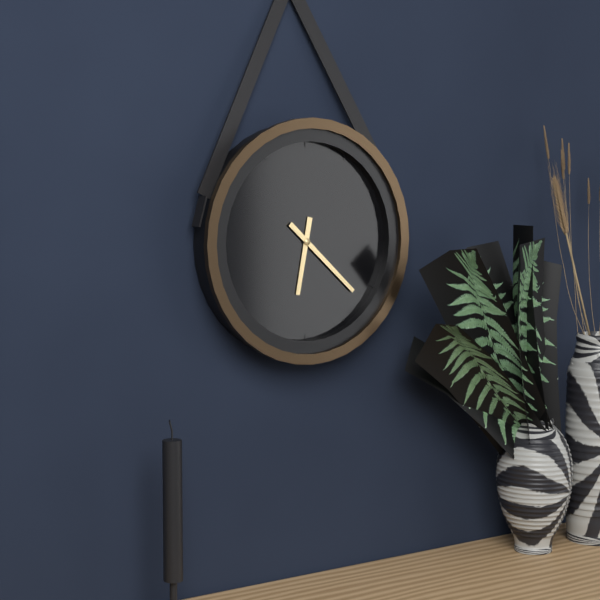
6:22
